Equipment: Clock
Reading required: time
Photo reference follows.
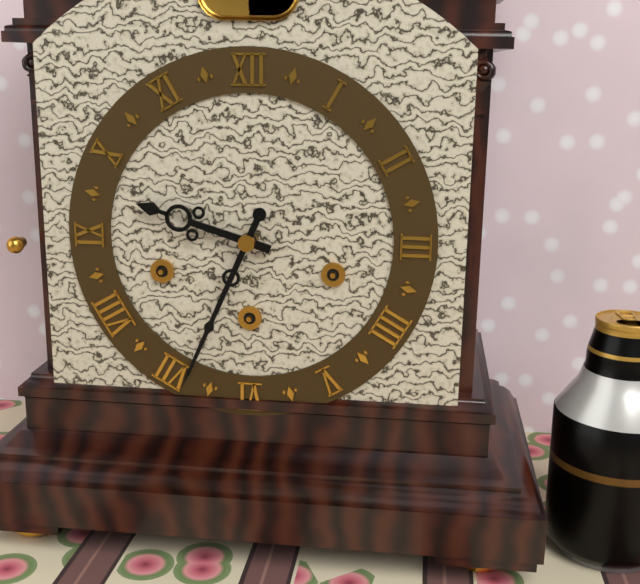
9:34
